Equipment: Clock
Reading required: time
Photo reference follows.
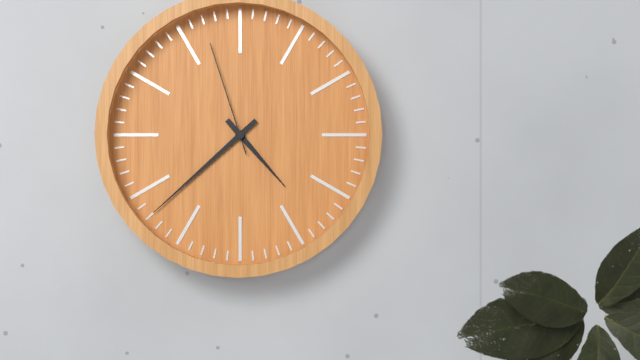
4:38:57
